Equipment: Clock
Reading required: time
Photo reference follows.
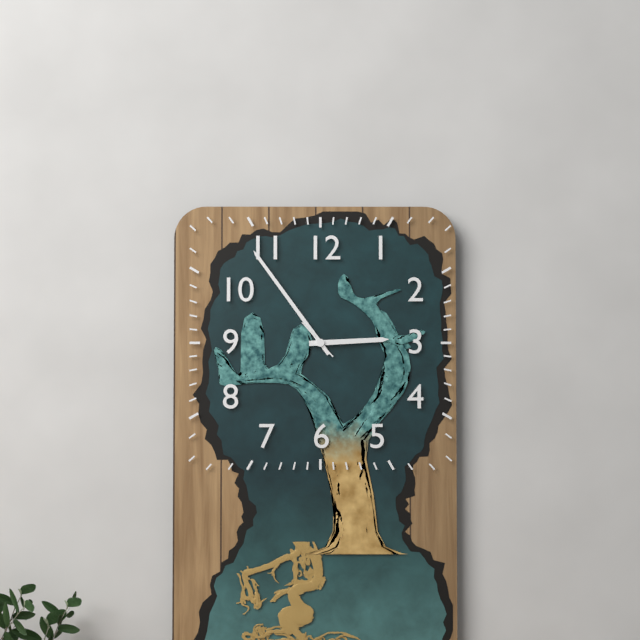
2:54
